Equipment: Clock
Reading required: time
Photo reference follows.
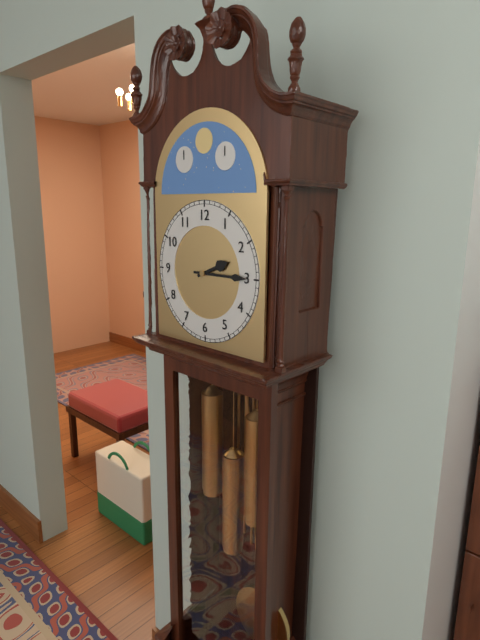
2:15
